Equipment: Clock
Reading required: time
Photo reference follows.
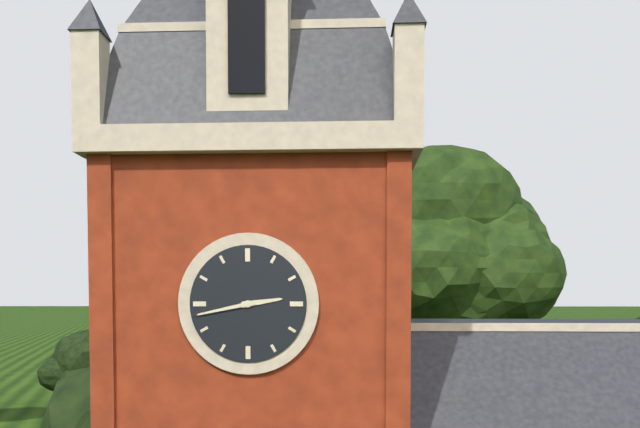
2:43
